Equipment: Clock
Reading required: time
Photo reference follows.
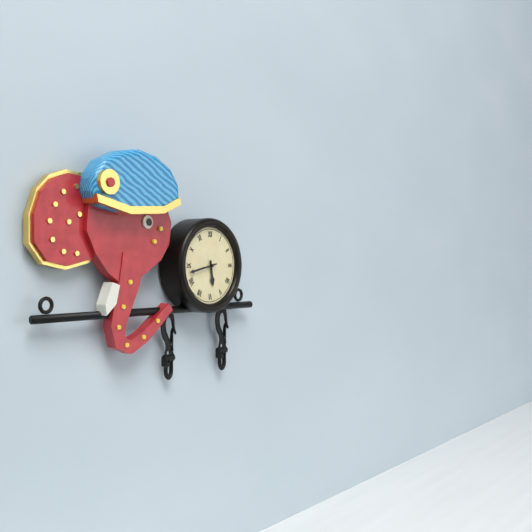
5:43
